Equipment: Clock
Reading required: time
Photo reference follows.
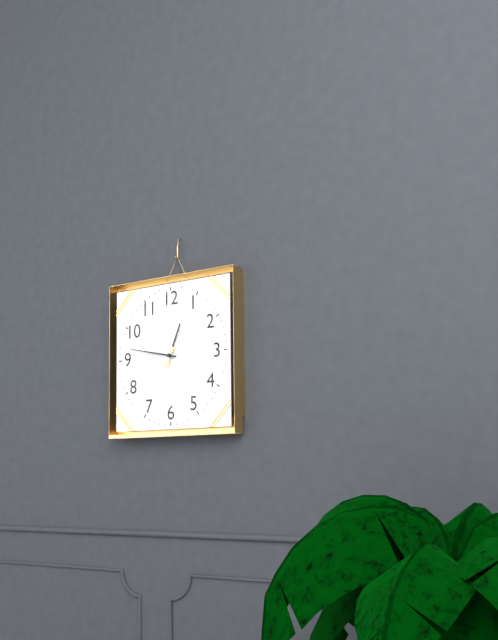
12:47
